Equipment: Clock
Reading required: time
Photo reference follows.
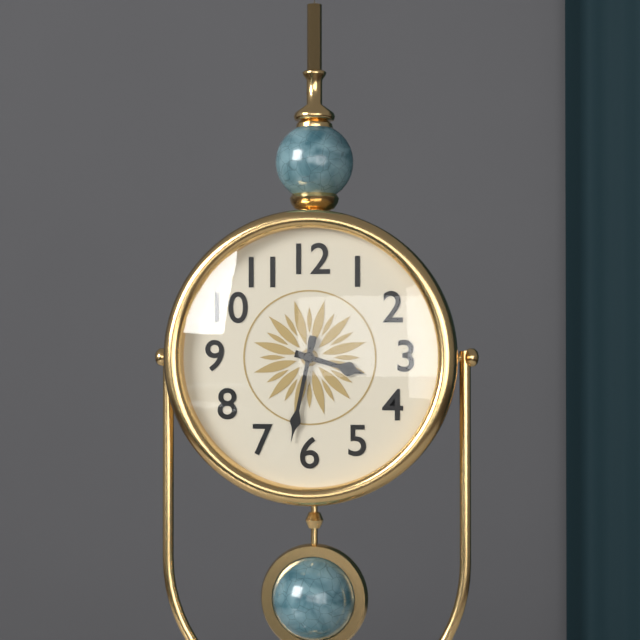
3:32
